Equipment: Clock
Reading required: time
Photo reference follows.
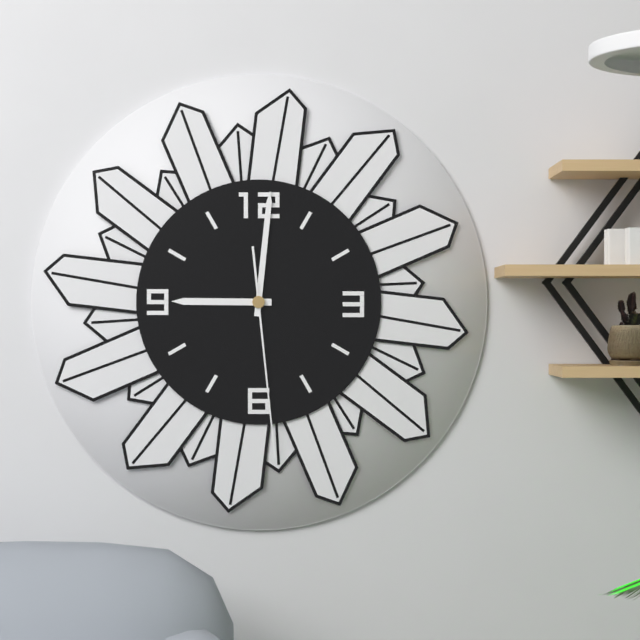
9:01:29
